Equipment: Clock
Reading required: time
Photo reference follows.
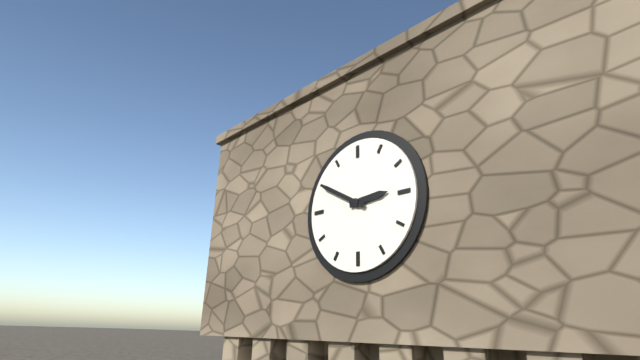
2:50
